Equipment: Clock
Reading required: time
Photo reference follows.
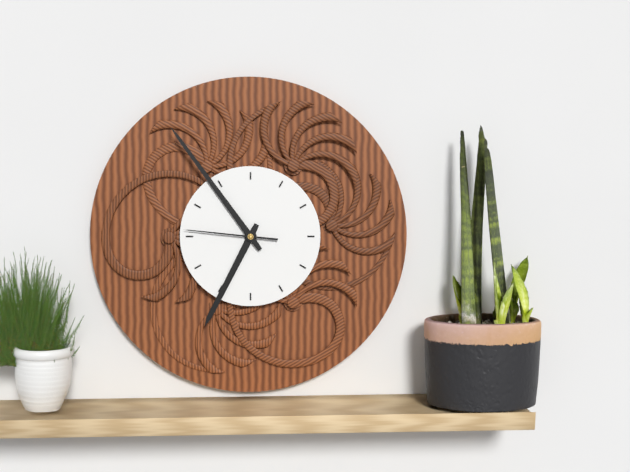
6:54:46
